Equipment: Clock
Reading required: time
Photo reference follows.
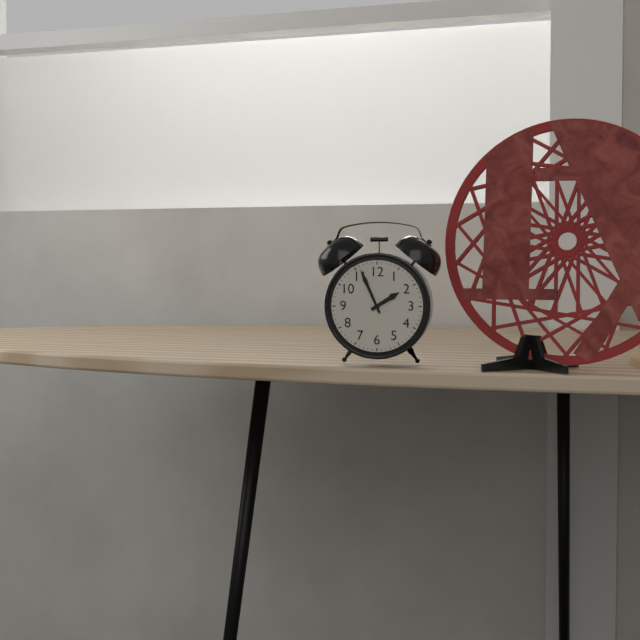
1:56
